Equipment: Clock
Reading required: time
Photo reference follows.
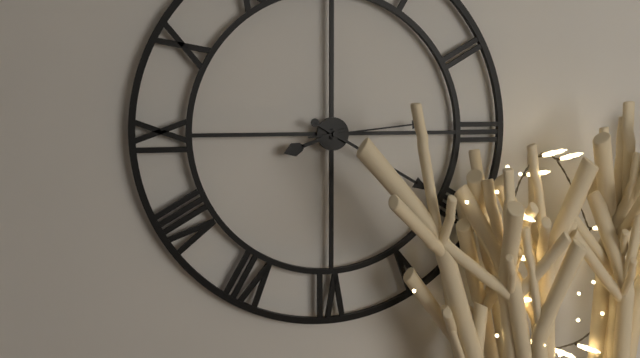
8:20:14
